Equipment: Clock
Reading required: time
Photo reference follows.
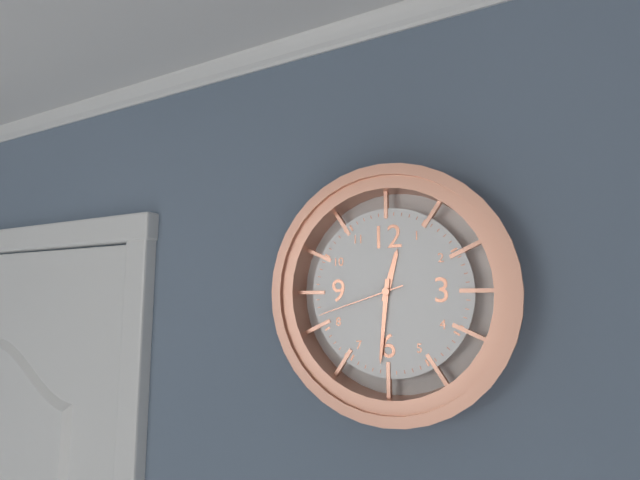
12:31:42
